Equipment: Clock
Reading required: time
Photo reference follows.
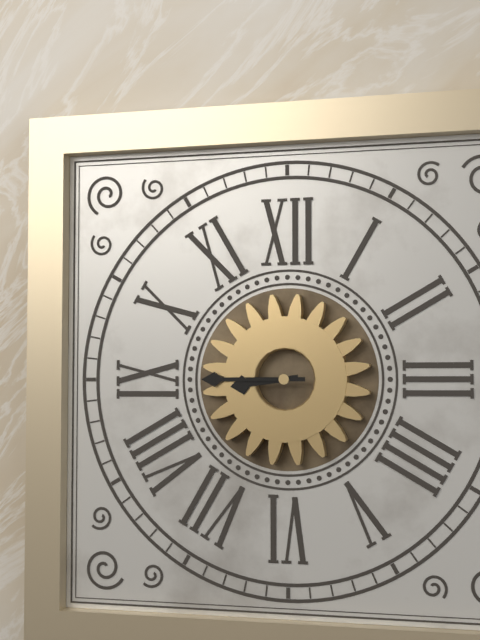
8:45
